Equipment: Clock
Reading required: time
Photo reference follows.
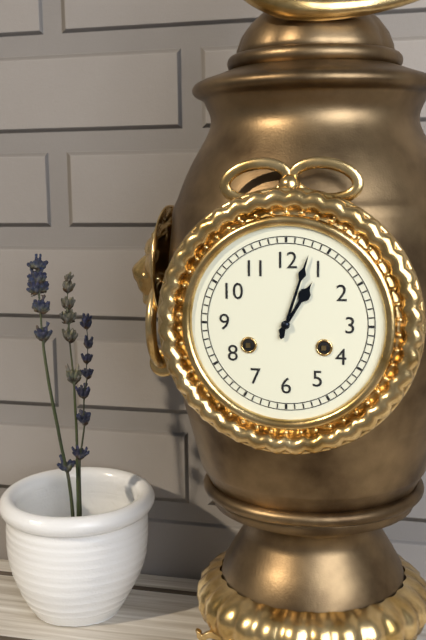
1:03
